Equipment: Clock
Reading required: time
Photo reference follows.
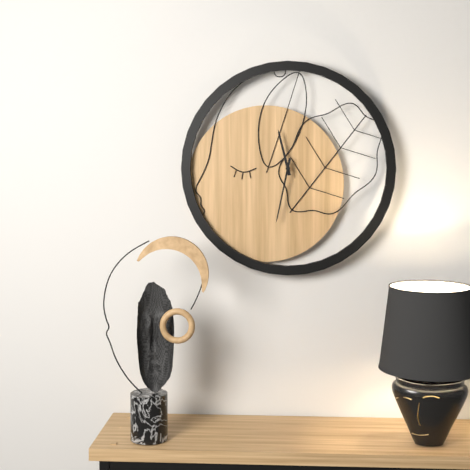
11:32
